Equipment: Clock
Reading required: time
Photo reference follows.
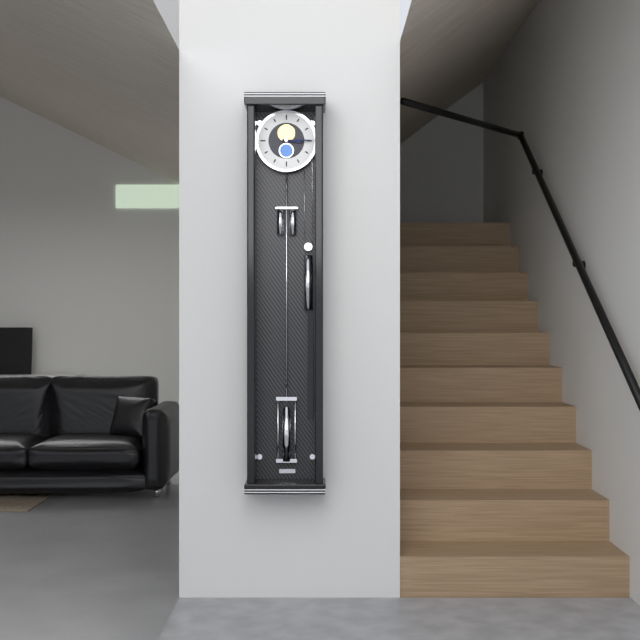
3:15
